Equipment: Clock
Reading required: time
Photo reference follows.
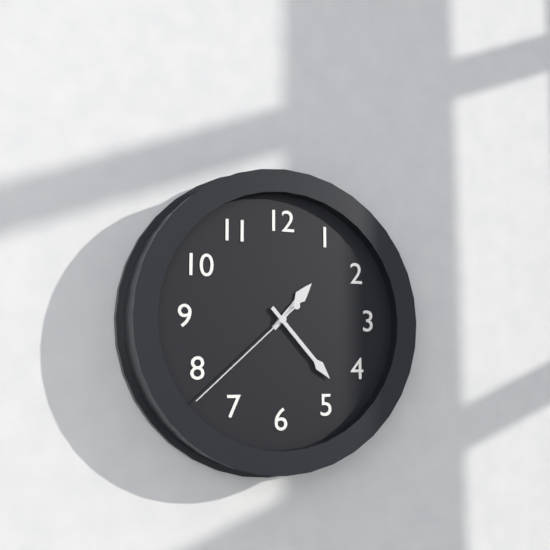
1:23:38
